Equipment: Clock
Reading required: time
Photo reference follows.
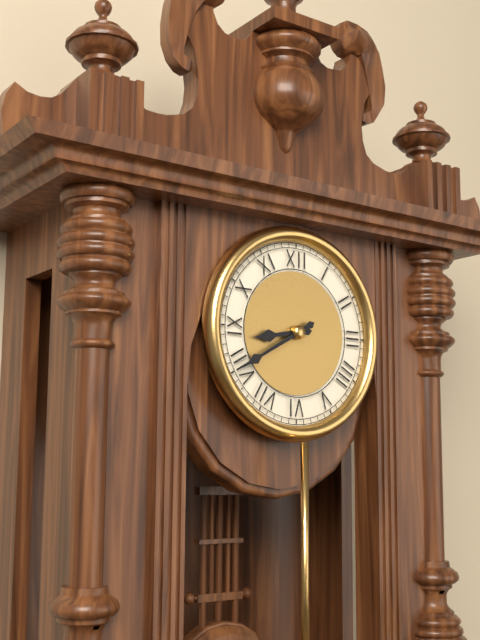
8:40
